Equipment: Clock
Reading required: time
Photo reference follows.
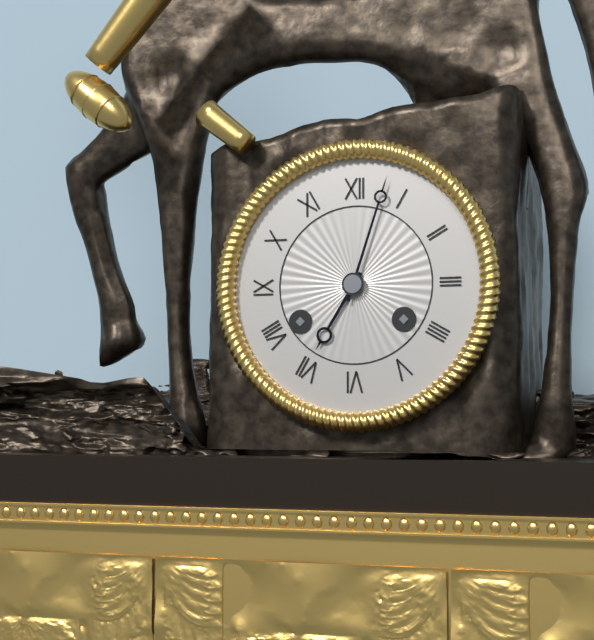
7:03
